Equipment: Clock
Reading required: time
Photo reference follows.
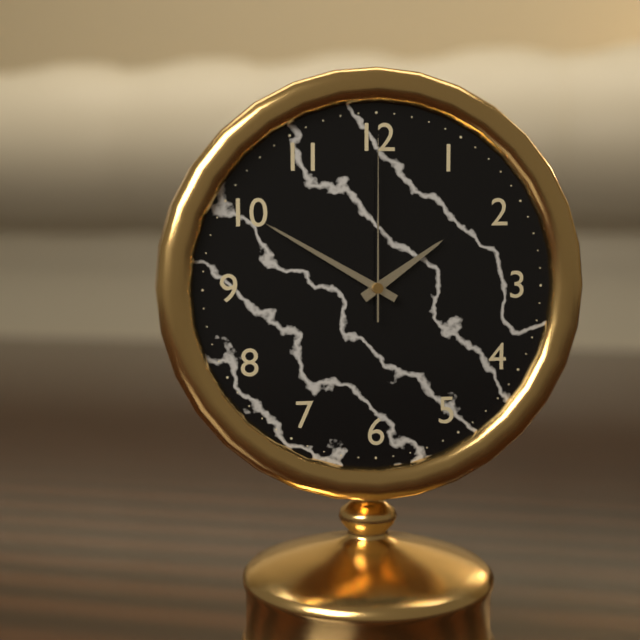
1:50:00
